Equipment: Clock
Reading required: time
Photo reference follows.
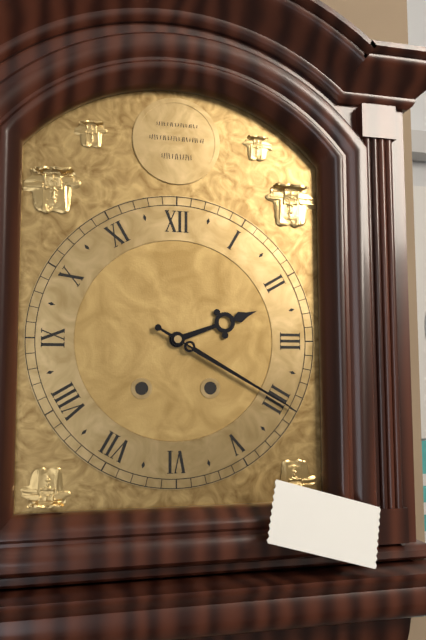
2:20
